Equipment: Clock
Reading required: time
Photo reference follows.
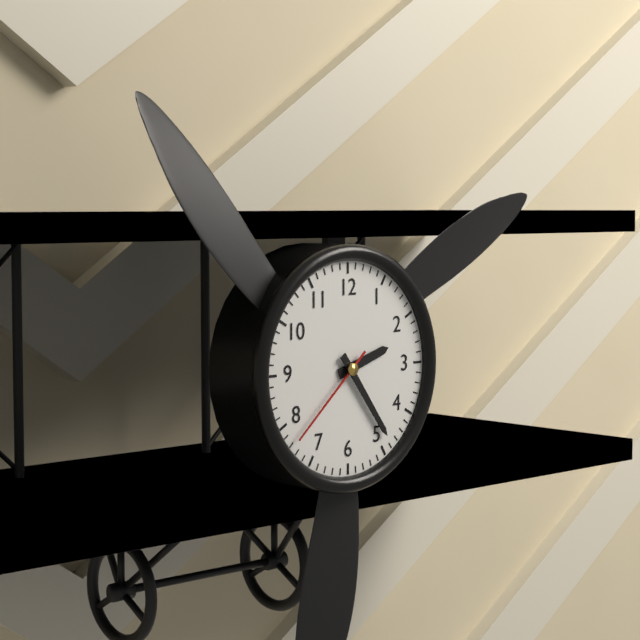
2:24:38
